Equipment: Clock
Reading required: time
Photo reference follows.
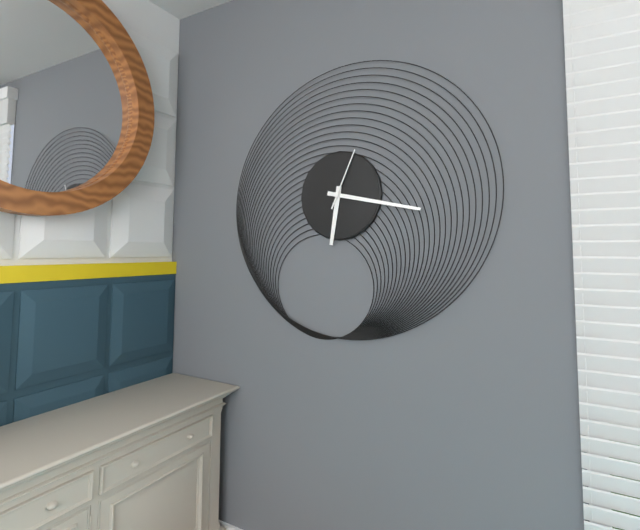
6:17:04
